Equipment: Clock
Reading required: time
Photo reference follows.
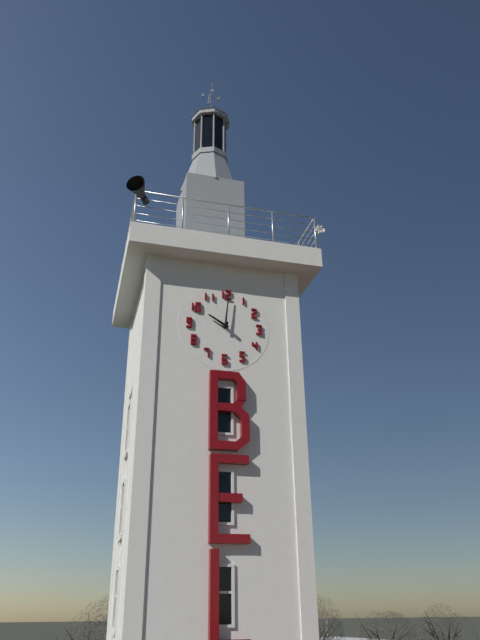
10:01
